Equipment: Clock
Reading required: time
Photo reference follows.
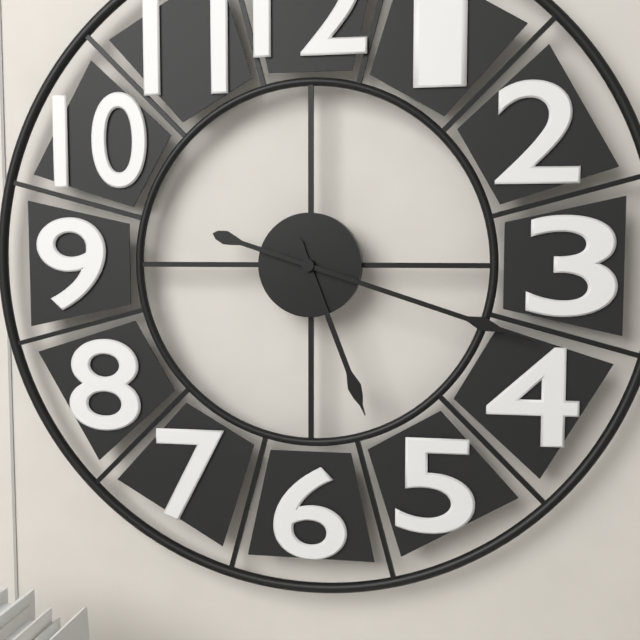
5:18
